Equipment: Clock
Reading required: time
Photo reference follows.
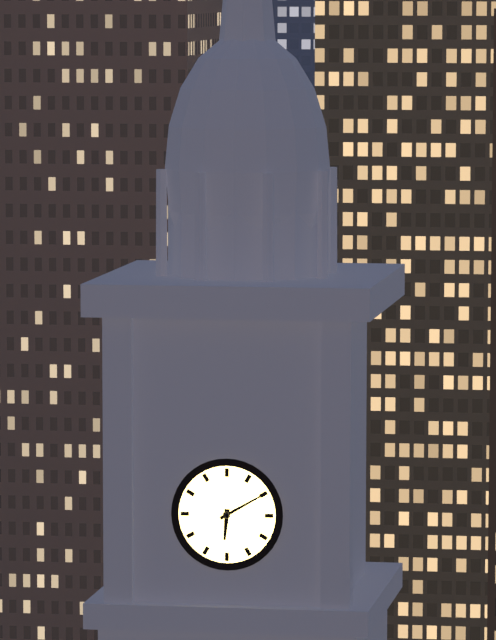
6:10
